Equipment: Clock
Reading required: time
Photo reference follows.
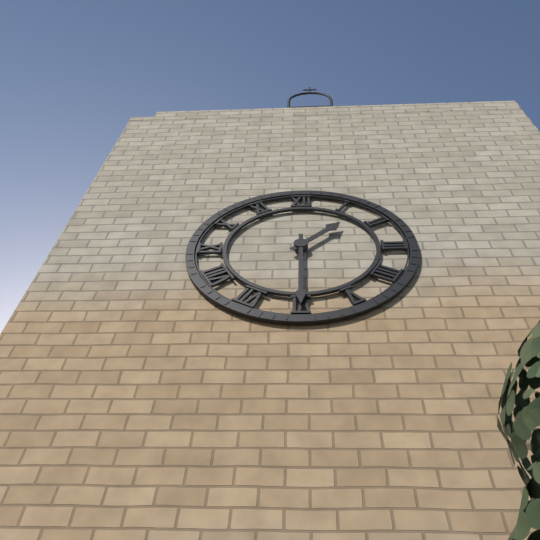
1:30
